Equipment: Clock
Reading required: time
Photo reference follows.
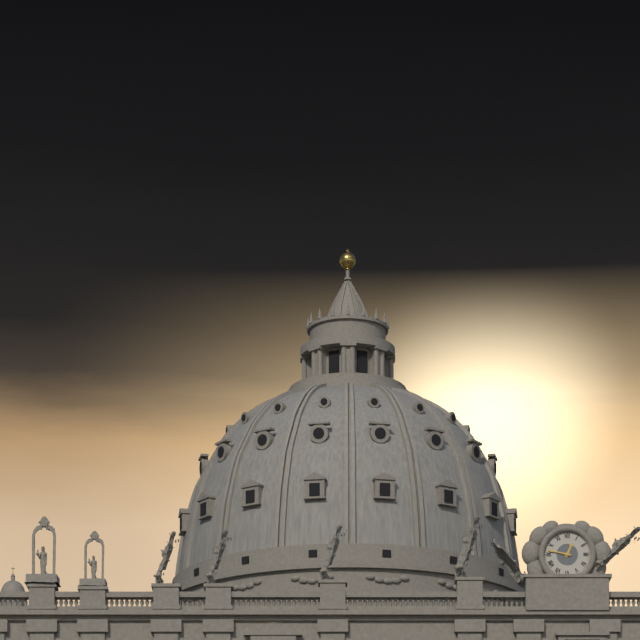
12:47
